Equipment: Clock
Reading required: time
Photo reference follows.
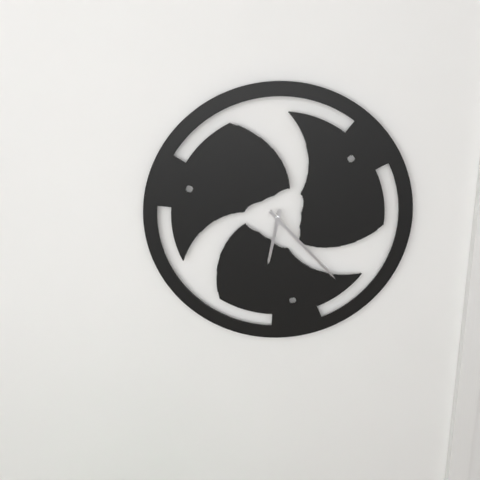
6:23
